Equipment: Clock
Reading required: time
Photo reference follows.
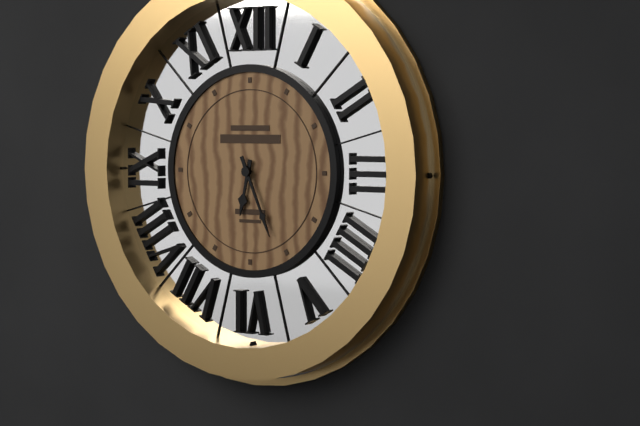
6:26
